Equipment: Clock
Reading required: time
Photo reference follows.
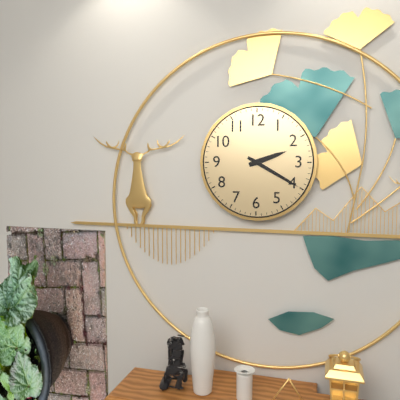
2:20
